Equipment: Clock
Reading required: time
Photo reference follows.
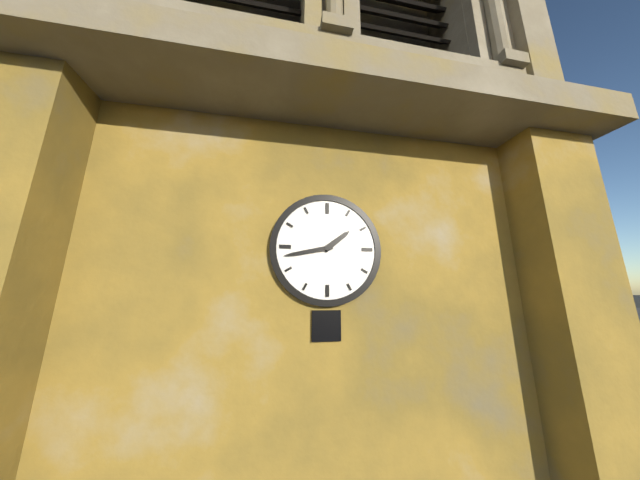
1:43
